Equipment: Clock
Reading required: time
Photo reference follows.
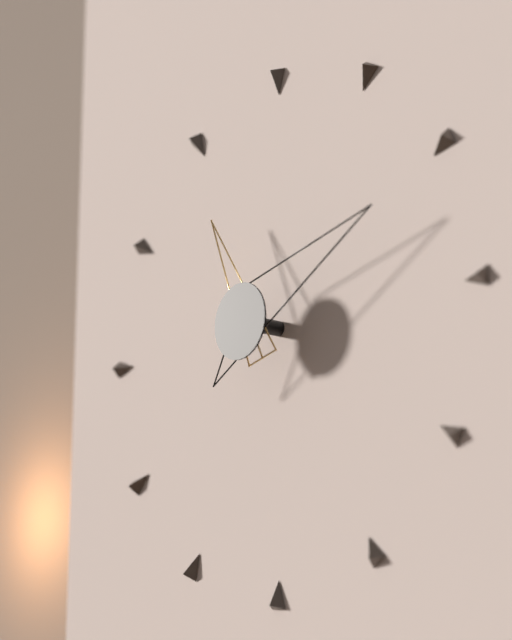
11:11
